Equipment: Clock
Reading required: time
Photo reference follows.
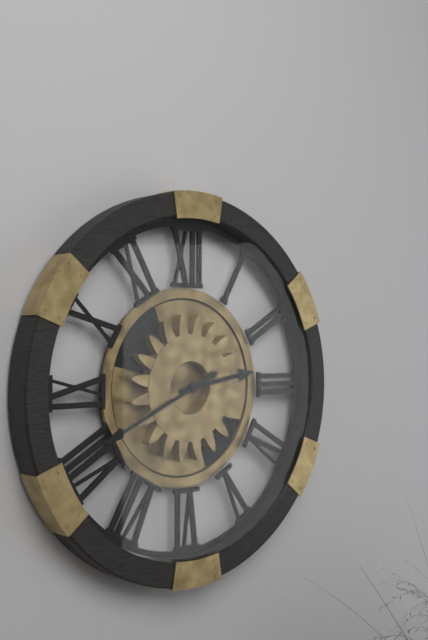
2:41
